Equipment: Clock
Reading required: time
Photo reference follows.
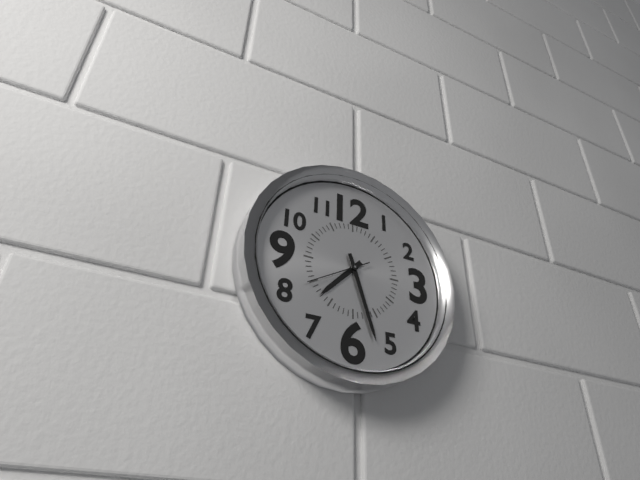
7:27:40
